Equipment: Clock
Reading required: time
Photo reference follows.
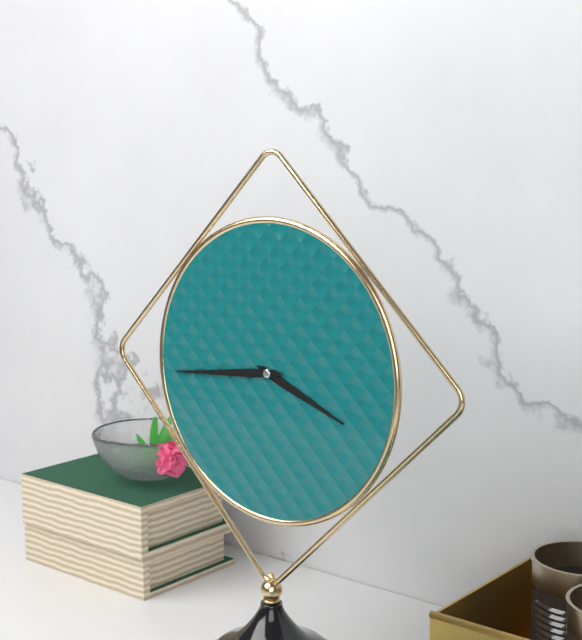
3:44
